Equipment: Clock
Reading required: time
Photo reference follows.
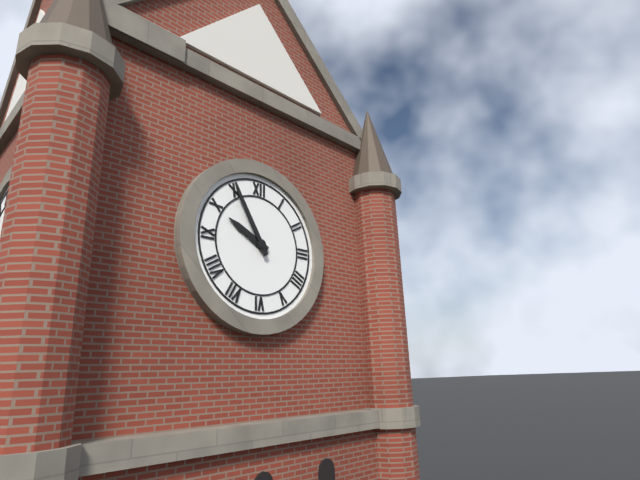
9:55
